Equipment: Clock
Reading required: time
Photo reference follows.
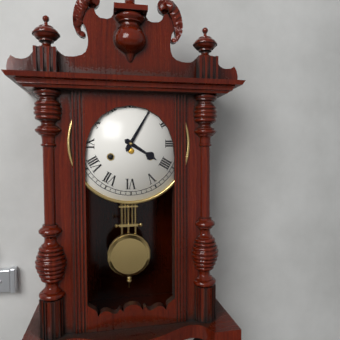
4:05
